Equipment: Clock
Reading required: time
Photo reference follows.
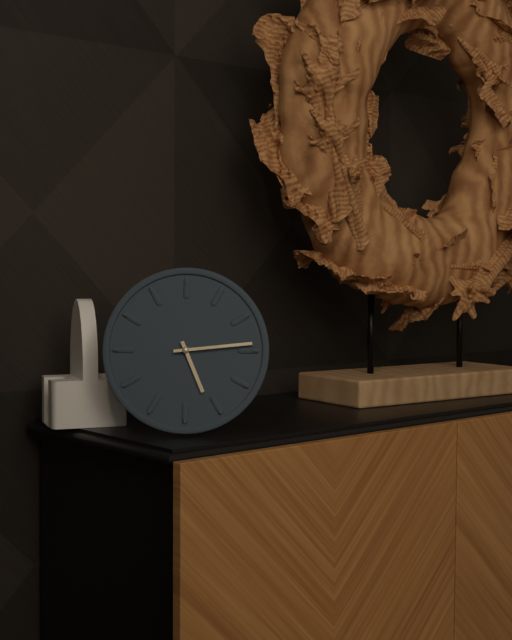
5:14
